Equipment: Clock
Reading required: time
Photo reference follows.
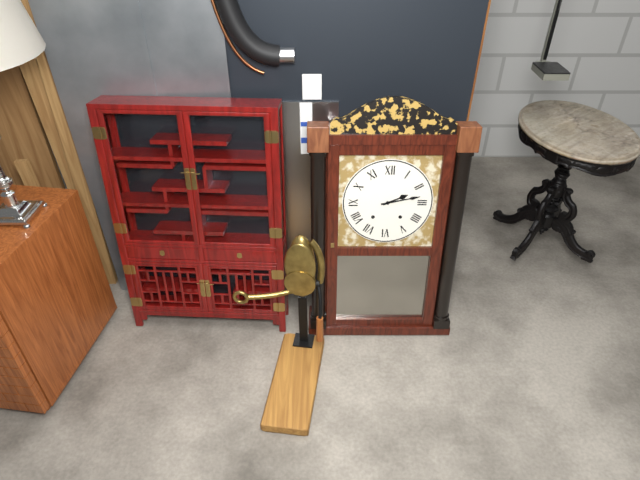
2:13
